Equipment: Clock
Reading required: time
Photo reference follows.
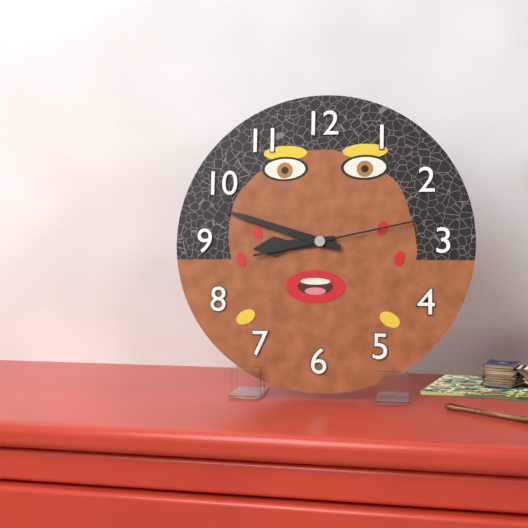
8:48:13
